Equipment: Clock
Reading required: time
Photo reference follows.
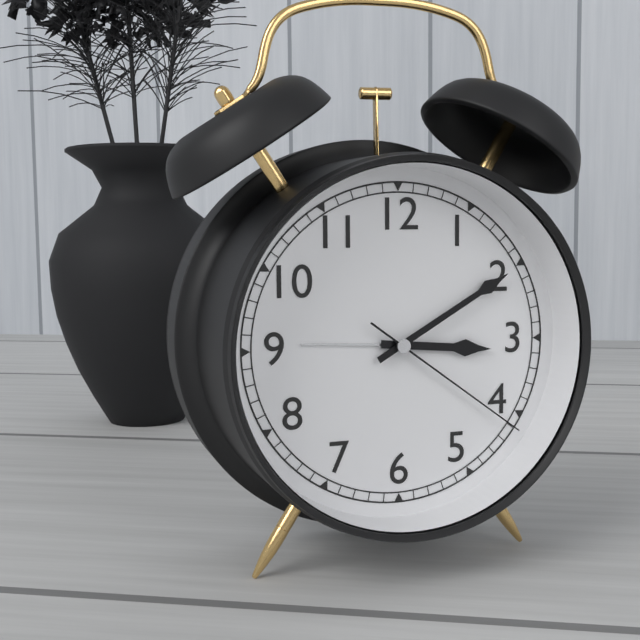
3:10:21
